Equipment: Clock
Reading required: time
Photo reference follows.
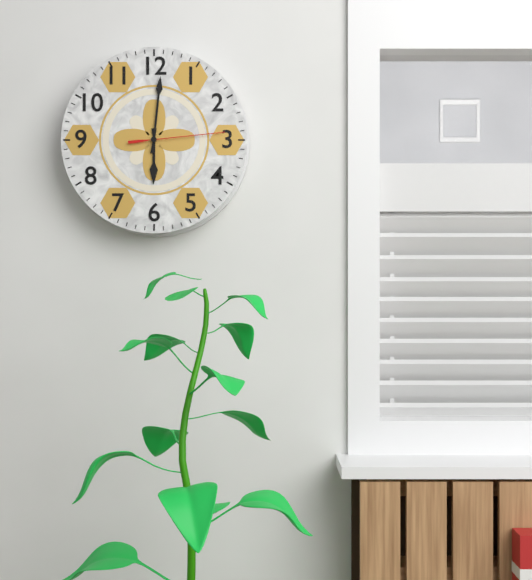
6:01:14
